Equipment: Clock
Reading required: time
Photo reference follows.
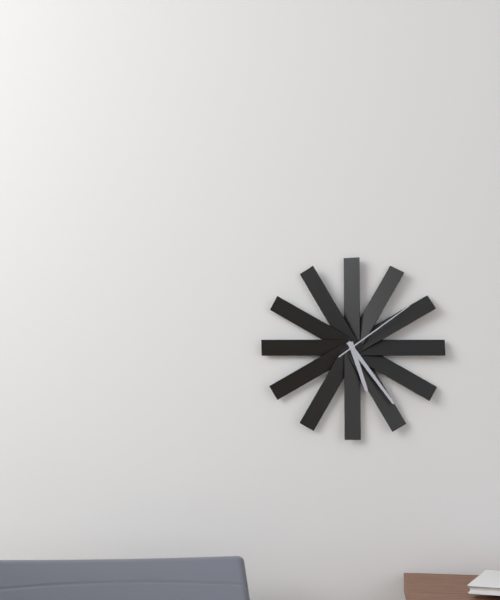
5:24:09
